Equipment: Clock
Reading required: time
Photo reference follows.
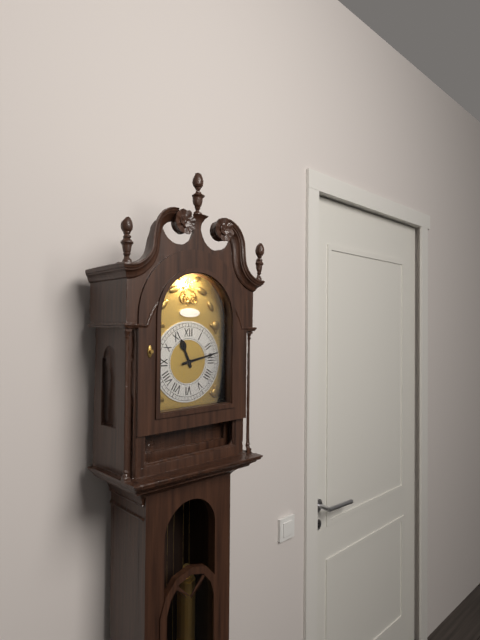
11:13
